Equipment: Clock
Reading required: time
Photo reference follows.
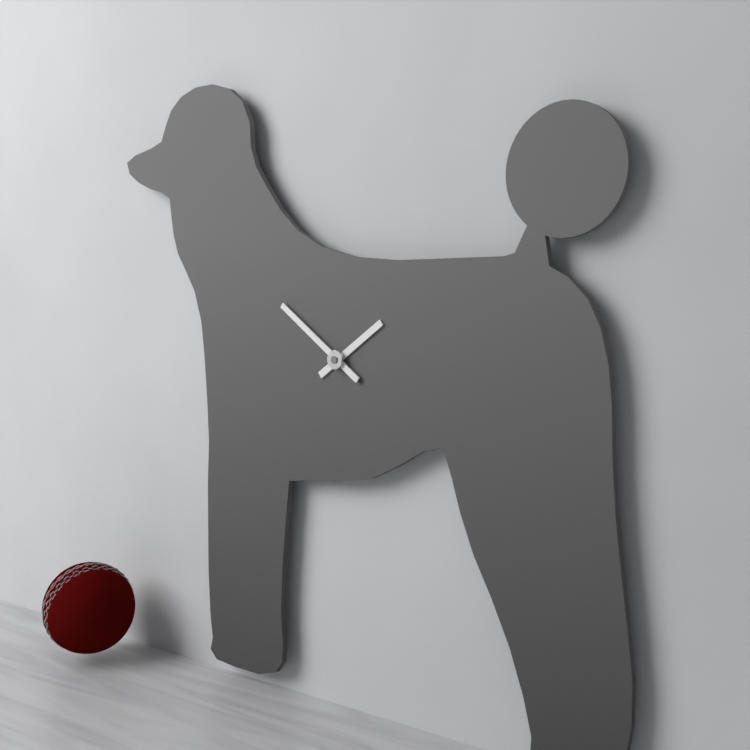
1:51
